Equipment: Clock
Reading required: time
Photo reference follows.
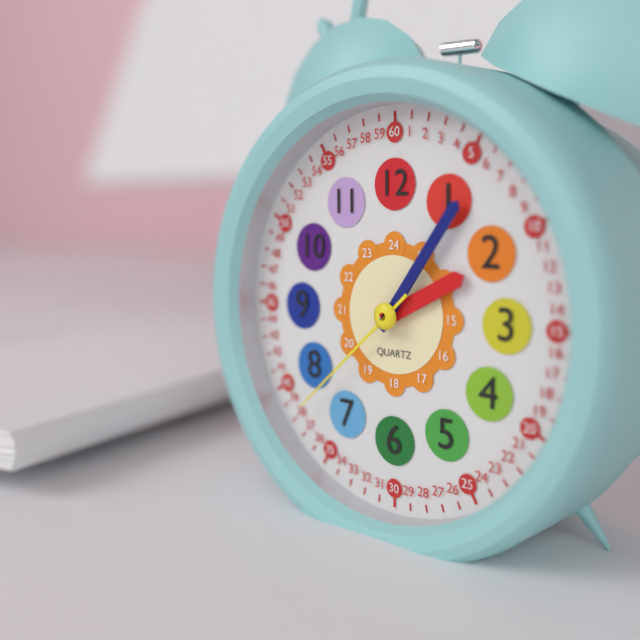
2:06:38
